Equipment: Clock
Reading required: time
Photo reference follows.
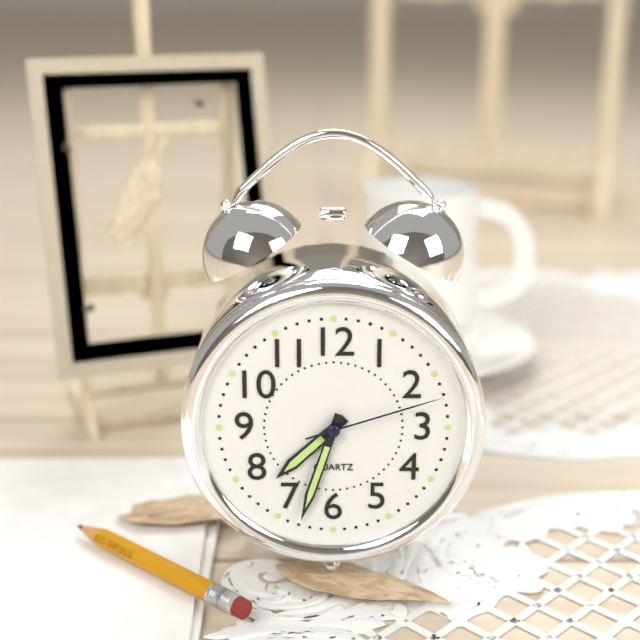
7:33:12
